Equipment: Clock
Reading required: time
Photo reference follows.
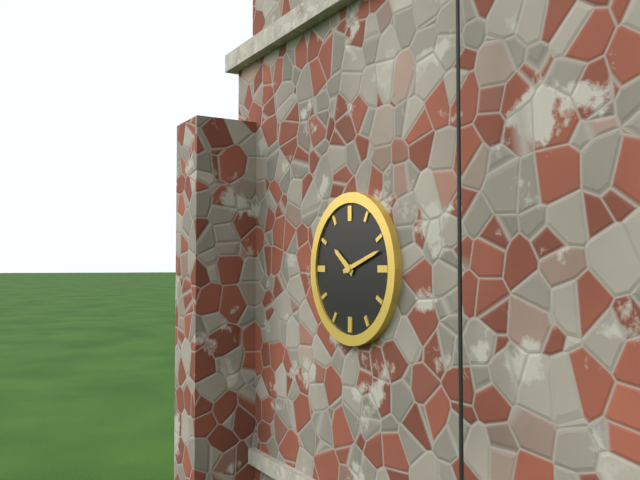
10:12
